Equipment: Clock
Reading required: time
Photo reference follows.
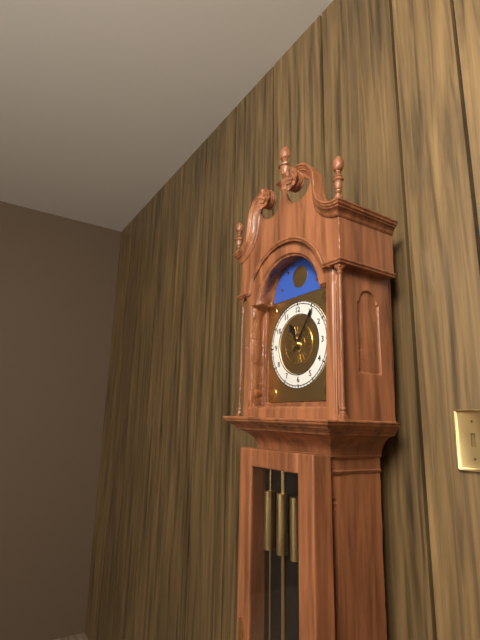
11:06
